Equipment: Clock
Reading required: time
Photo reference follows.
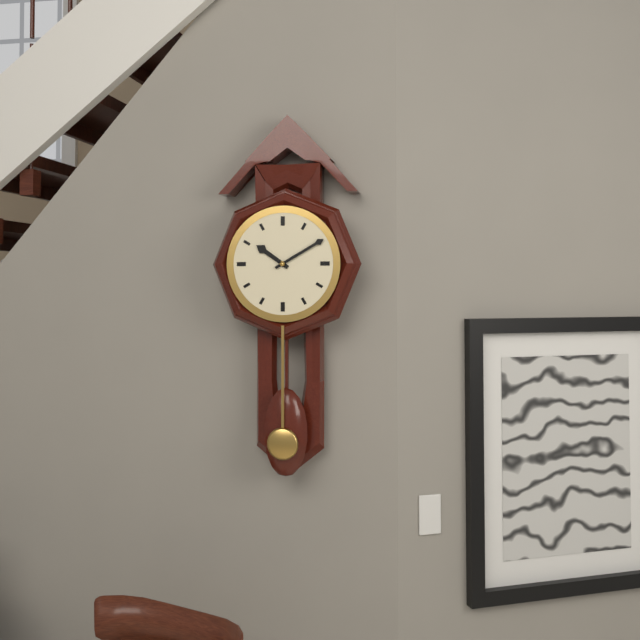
10:10
